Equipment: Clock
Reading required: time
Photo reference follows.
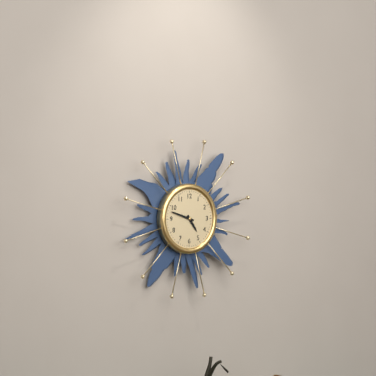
4:48
